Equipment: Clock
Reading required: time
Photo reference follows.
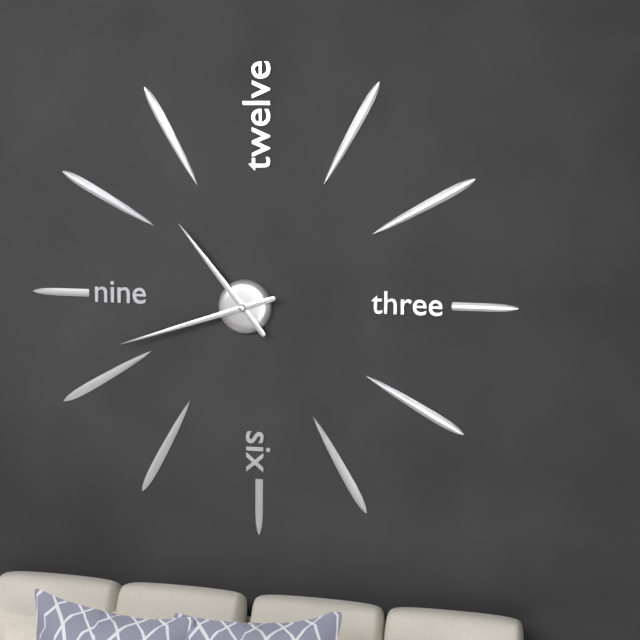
10:42
